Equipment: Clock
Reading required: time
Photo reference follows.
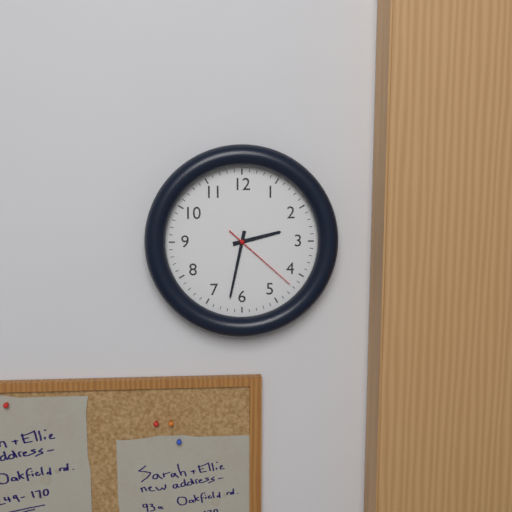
2:32:22
